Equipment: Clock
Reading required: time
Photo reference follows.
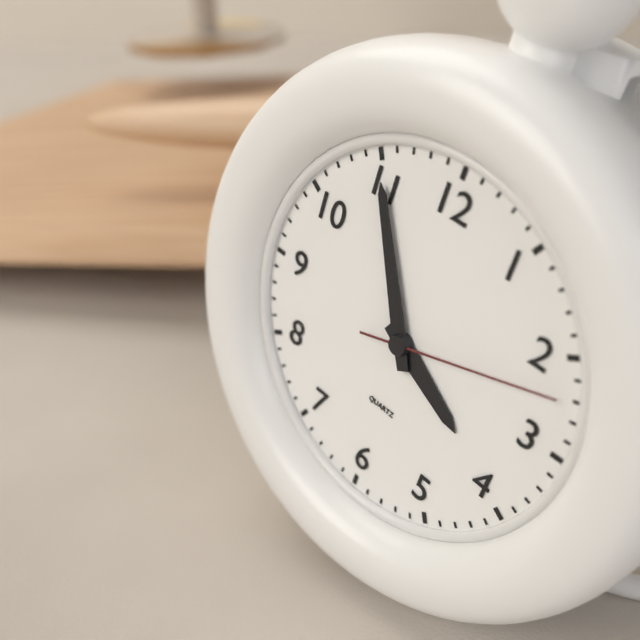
3:55:12
